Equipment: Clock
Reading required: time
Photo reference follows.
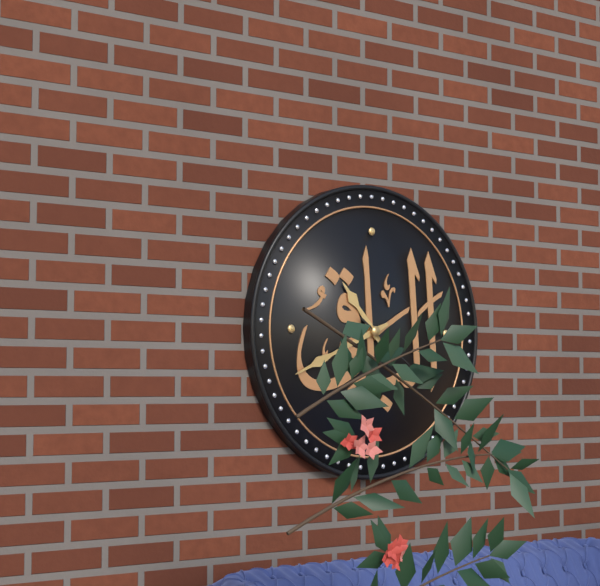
10:41:21
